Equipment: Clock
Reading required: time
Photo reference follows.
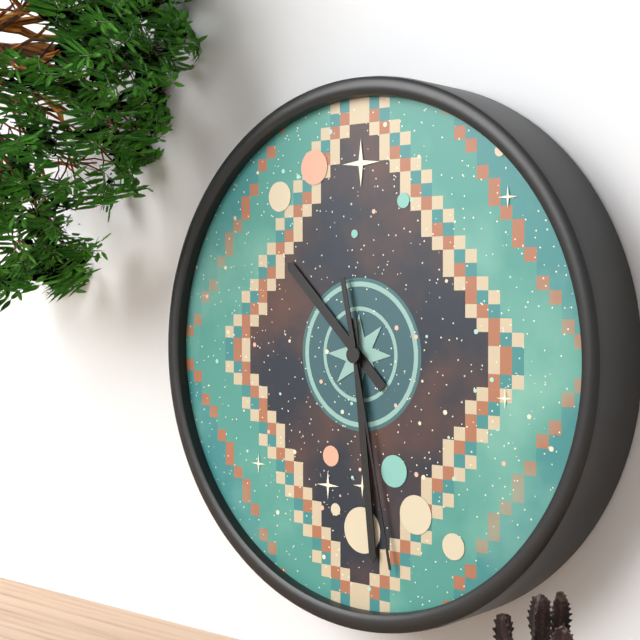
10:29:28
